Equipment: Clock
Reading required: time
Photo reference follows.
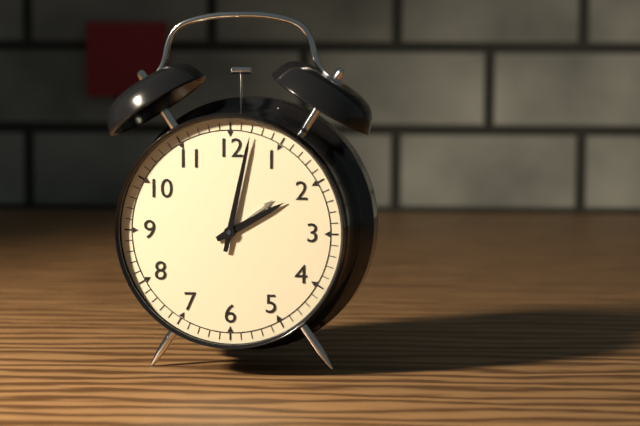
2:02
